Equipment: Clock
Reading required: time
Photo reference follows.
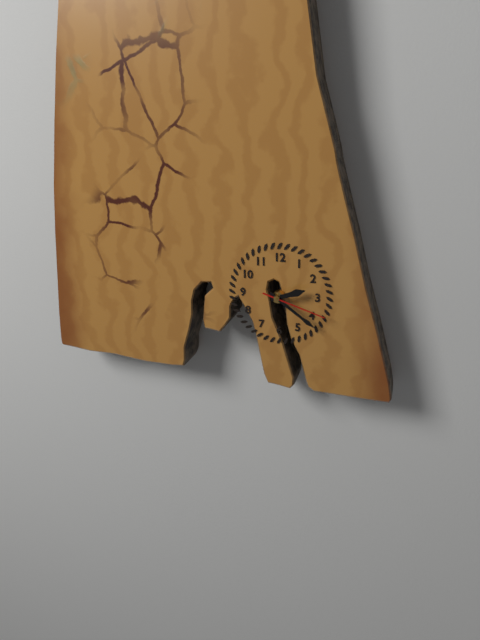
2:21:18
